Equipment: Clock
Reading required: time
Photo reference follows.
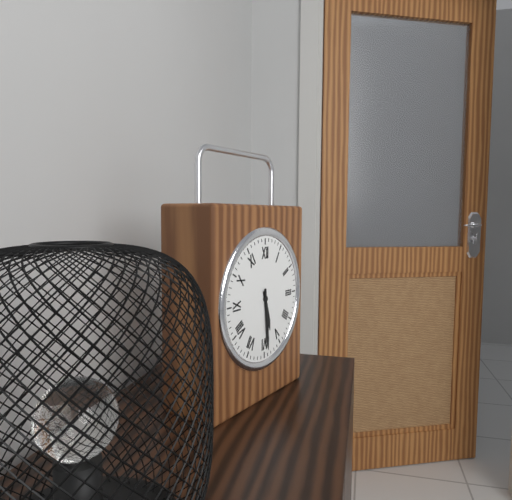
5:29
